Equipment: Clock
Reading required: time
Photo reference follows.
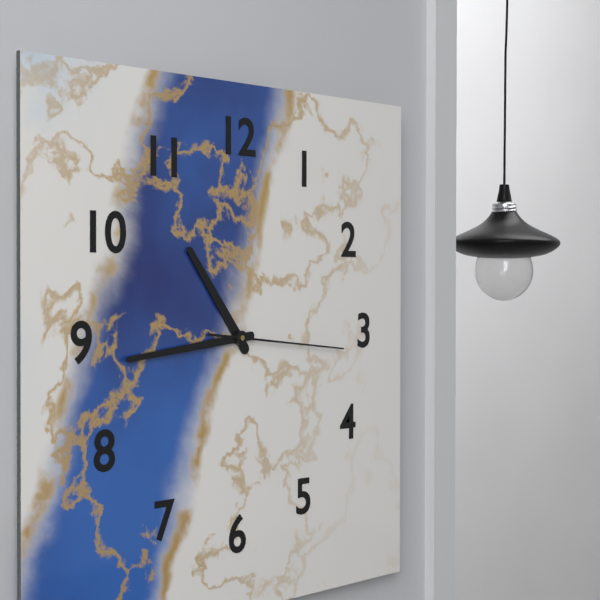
10:44:16
